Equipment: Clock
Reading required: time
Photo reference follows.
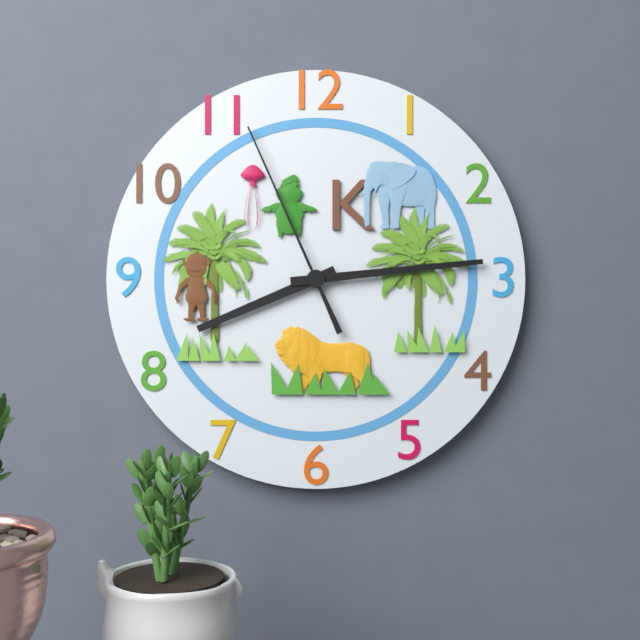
8:14:56
